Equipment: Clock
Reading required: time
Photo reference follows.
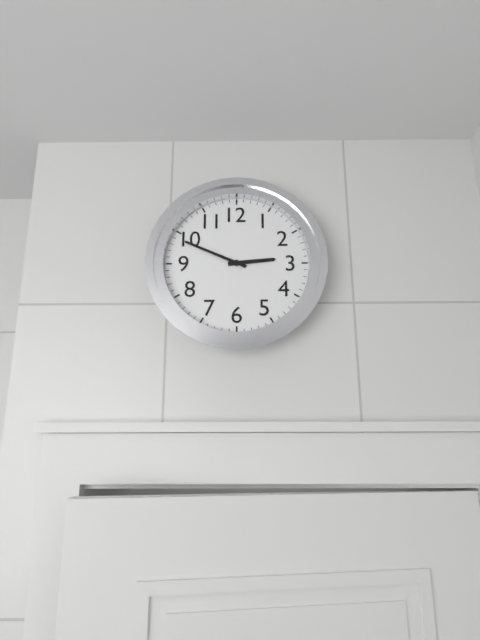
2:49
